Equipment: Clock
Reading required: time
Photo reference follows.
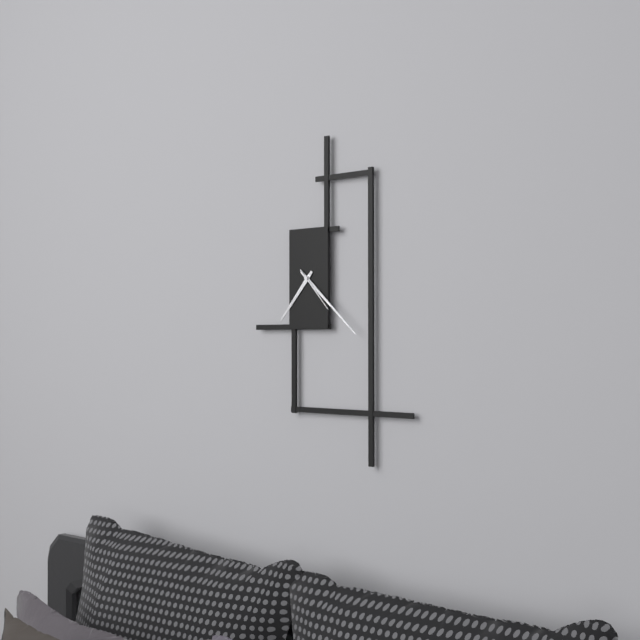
7:22
